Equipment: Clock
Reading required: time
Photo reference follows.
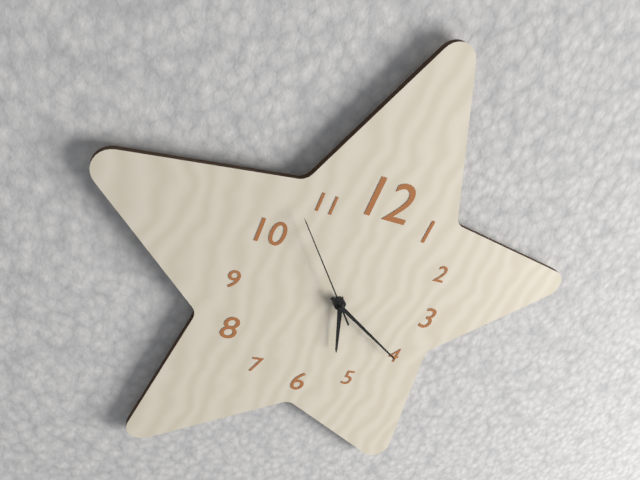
5:20:53
